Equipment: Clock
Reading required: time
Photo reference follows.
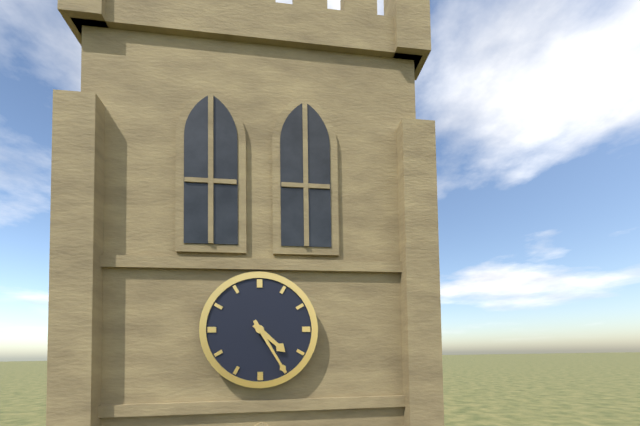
4:25
